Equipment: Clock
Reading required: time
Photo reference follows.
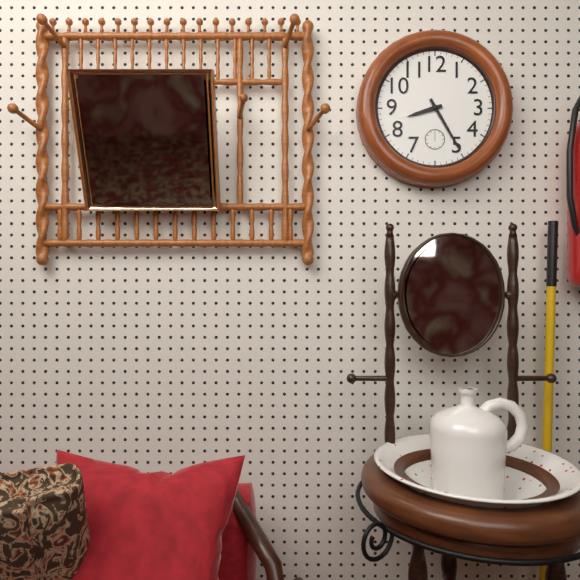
8:25
